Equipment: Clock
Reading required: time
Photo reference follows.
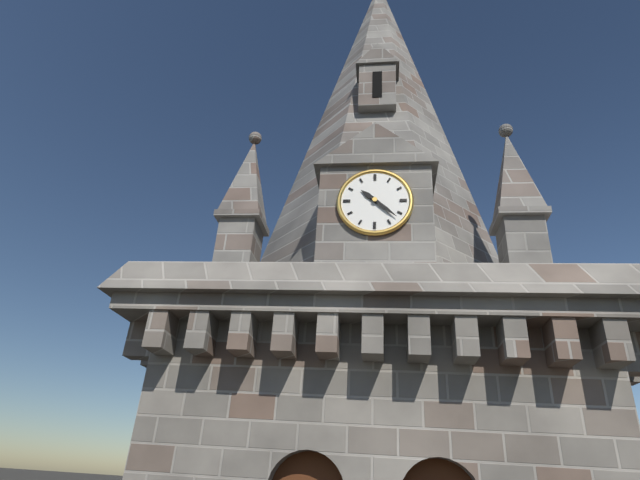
10:22
